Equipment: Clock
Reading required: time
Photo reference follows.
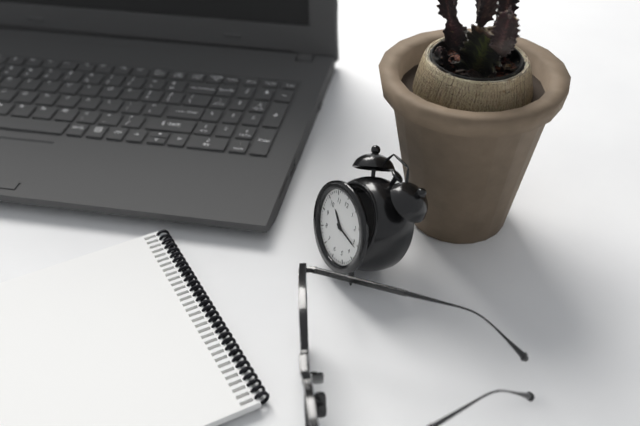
10:16
